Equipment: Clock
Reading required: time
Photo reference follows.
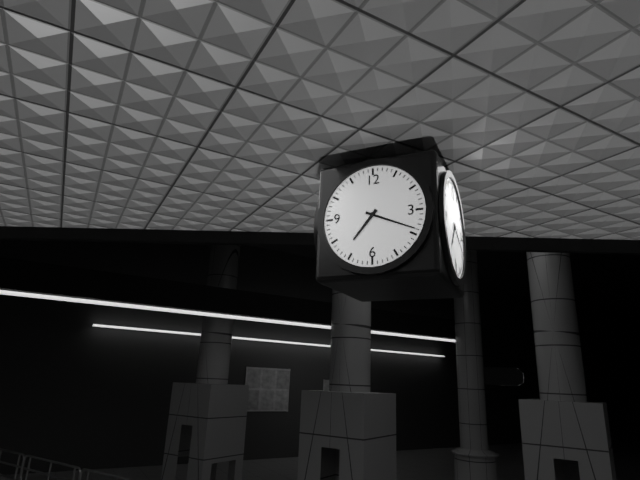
7:19
